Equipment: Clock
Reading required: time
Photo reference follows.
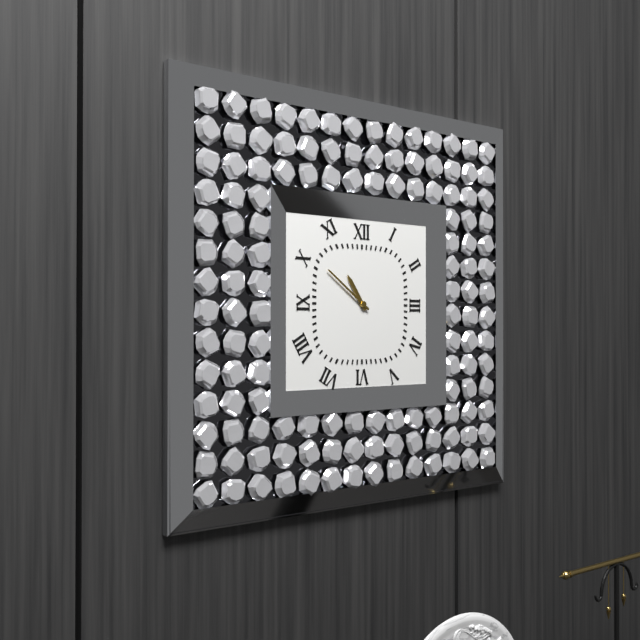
10:51
